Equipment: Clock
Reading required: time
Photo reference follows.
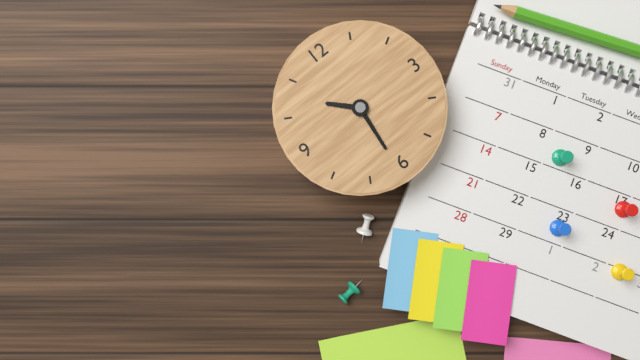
10:31
